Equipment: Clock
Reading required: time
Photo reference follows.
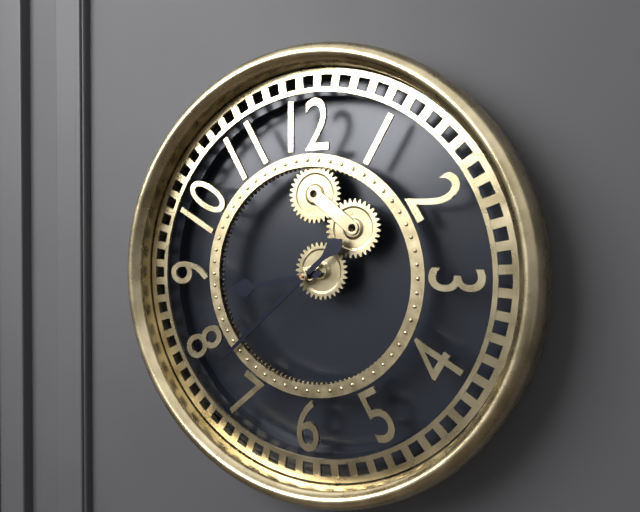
8:38
